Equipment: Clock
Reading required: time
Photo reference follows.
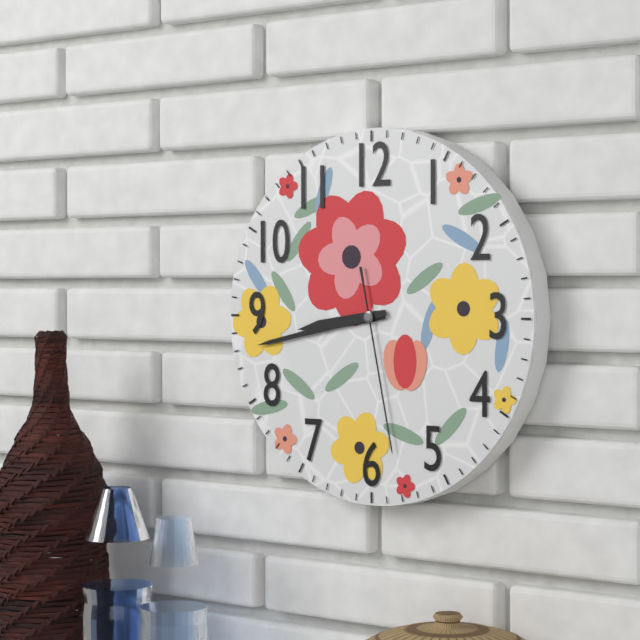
8:43:28
